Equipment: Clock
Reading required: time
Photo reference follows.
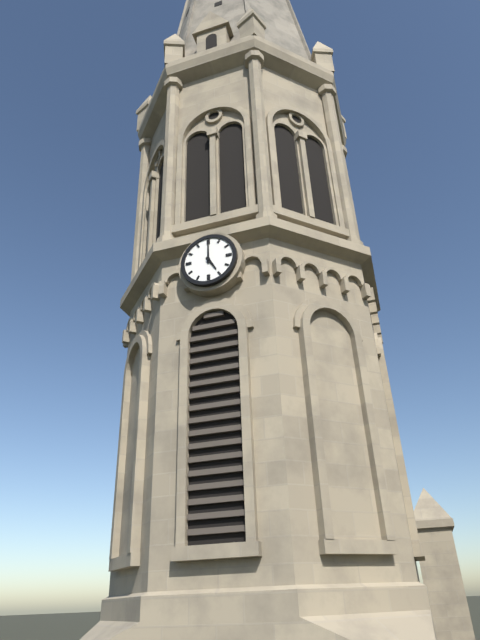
5:00
